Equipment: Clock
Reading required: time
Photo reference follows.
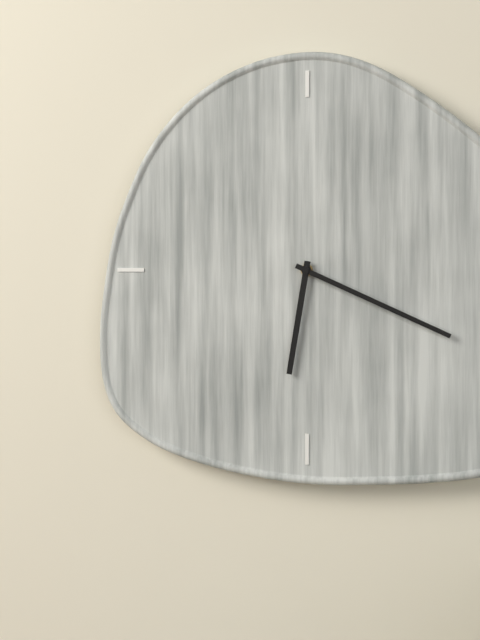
6:19
